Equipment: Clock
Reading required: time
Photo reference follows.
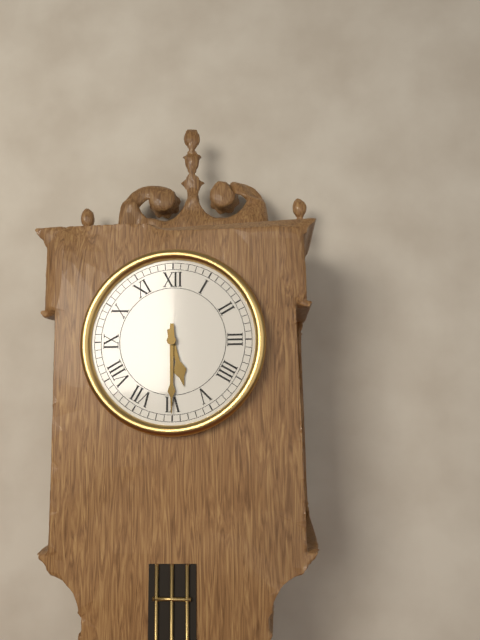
5:30
